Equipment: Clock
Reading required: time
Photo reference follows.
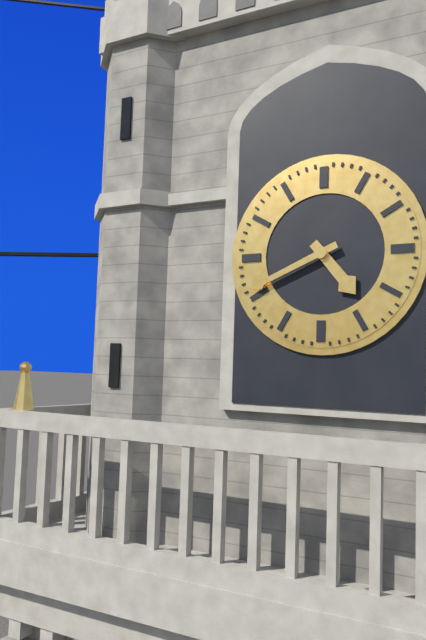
4:41
